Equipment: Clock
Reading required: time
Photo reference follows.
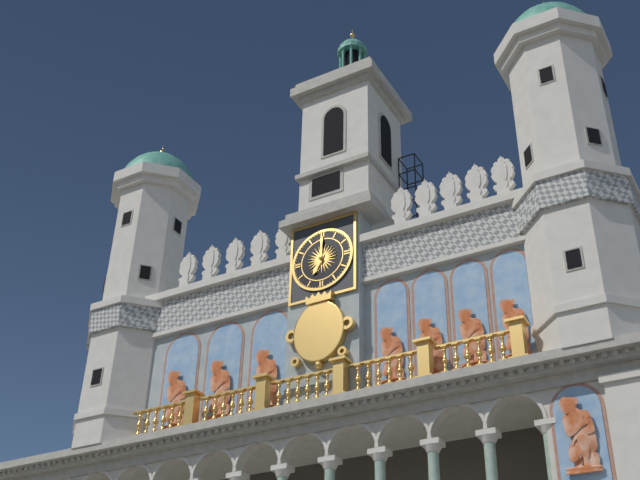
7:00
